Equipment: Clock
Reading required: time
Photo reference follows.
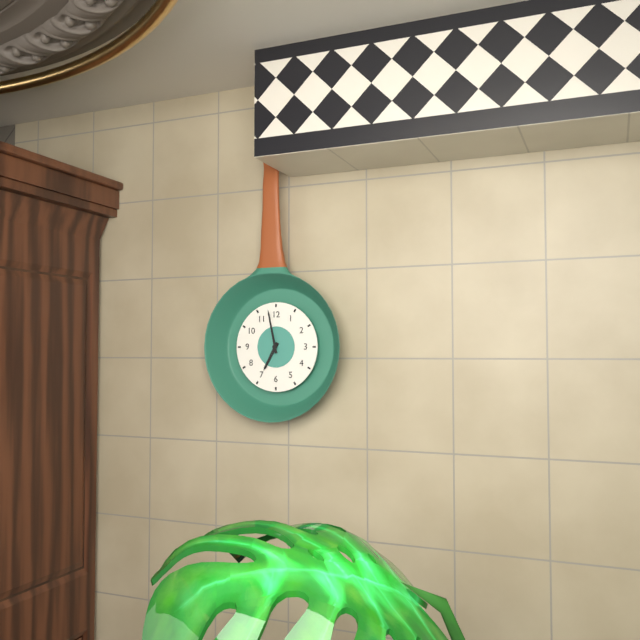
6:58
